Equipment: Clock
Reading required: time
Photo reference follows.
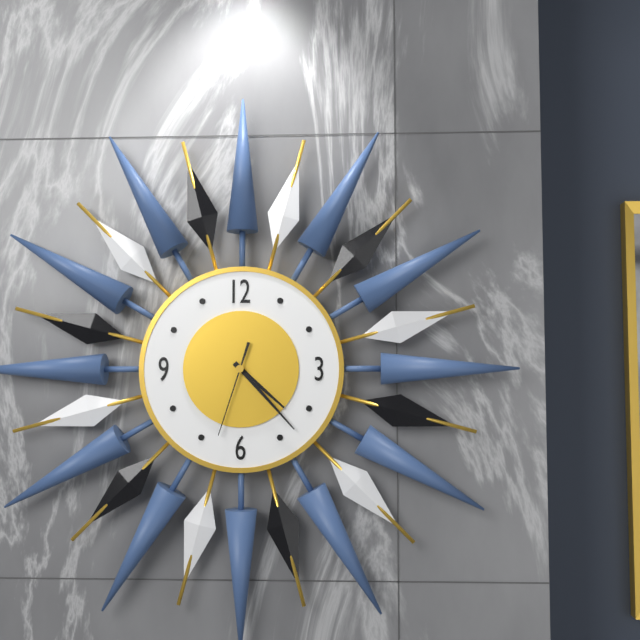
4:23:33
